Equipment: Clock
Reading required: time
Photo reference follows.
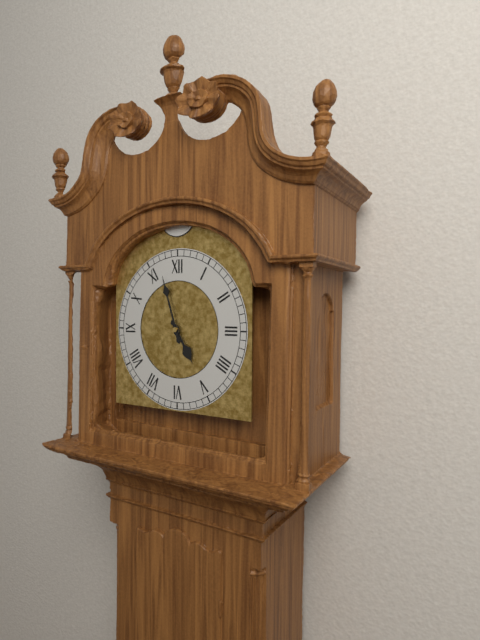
4:57
